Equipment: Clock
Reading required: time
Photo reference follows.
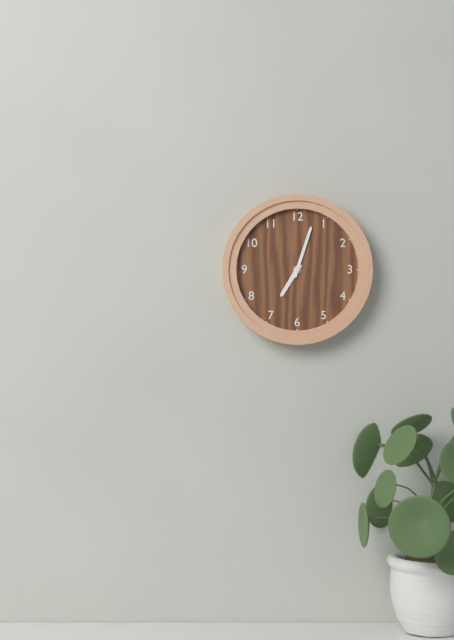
7:03
